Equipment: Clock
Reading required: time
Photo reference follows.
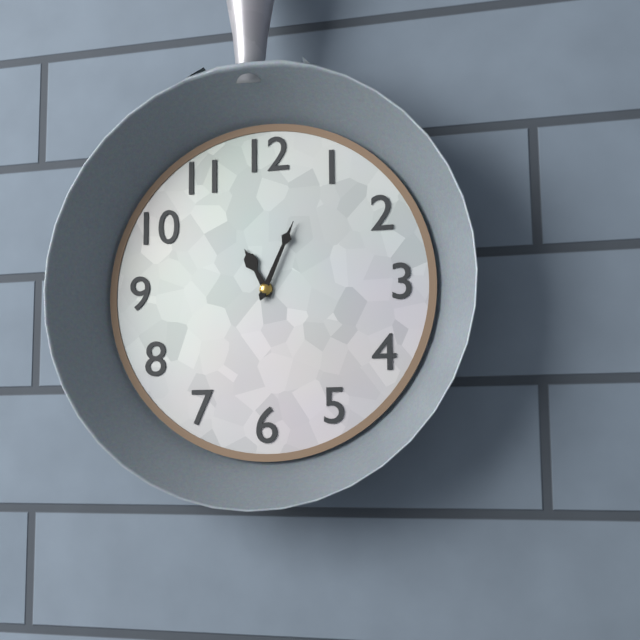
11:04
